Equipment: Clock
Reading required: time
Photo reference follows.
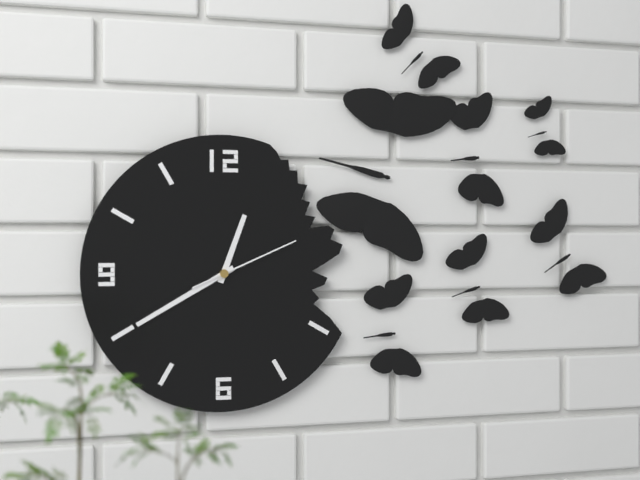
12:40:11
